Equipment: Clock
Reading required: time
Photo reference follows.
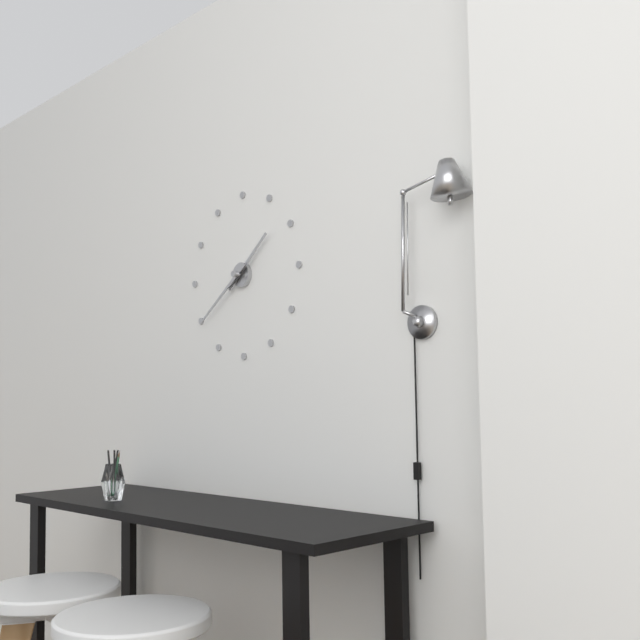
1:39
